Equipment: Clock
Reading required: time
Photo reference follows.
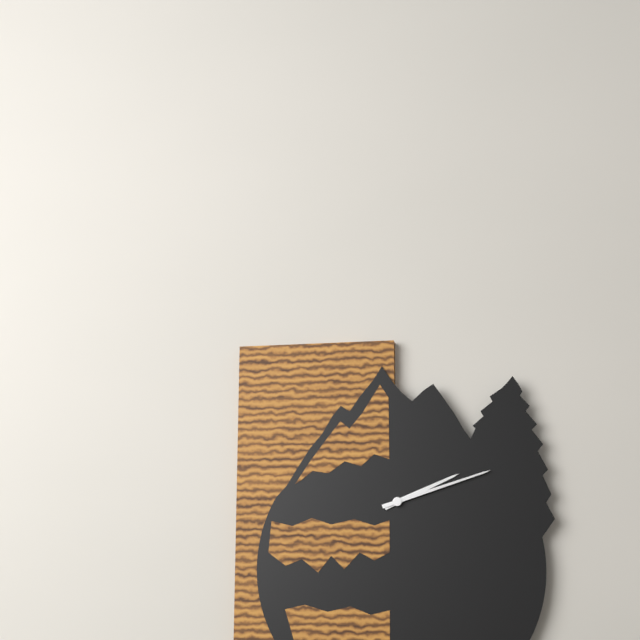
2:12
